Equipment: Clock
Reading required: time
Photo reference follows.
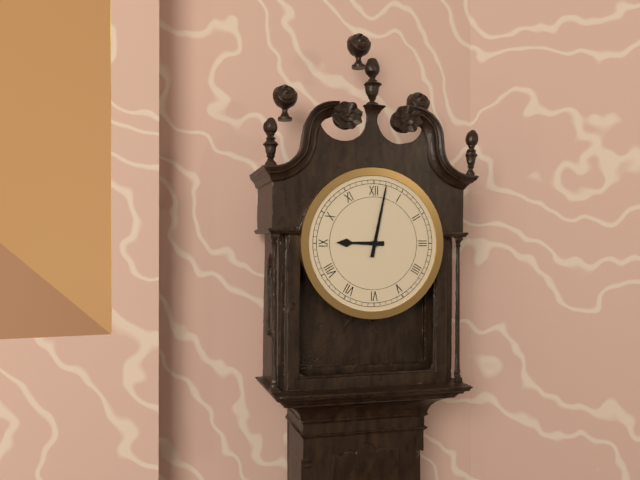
9:02
